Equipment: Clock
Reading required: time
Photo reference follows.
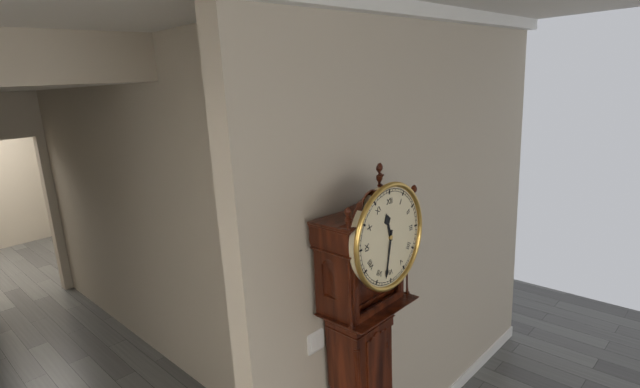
11:32
